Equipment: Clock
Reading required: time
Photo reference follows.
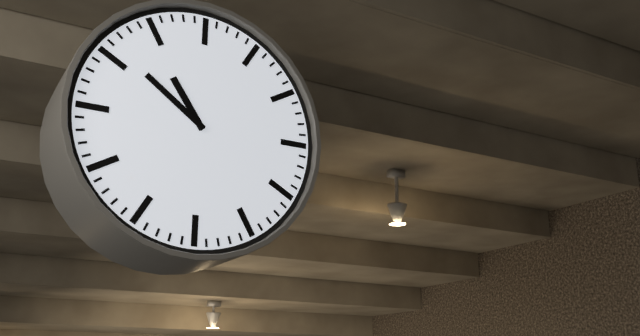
10:51
